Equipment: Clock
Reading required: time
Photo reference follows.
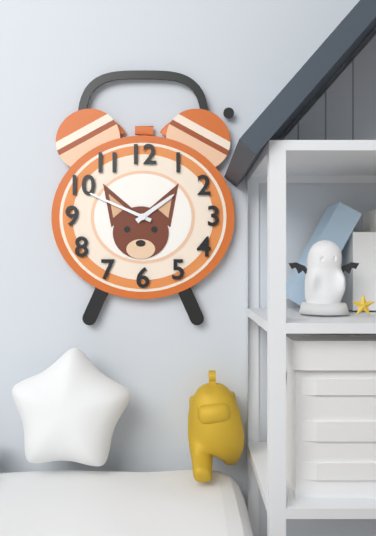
1:49
